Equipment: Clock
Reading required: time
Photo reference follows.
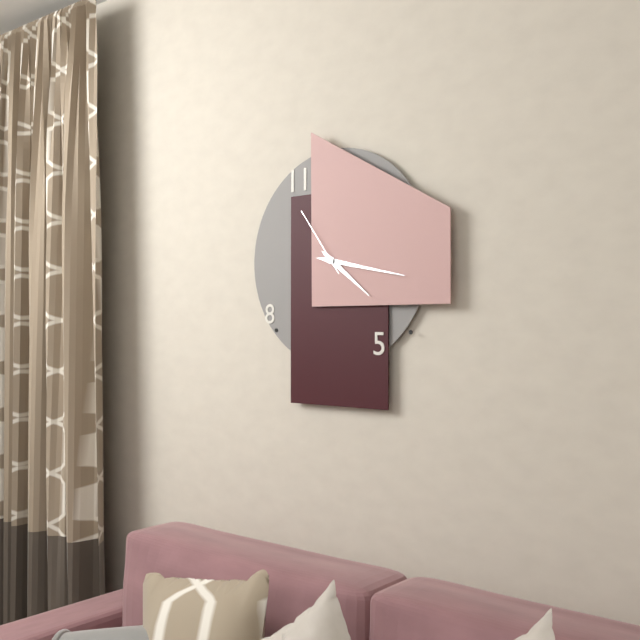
4:17:54
